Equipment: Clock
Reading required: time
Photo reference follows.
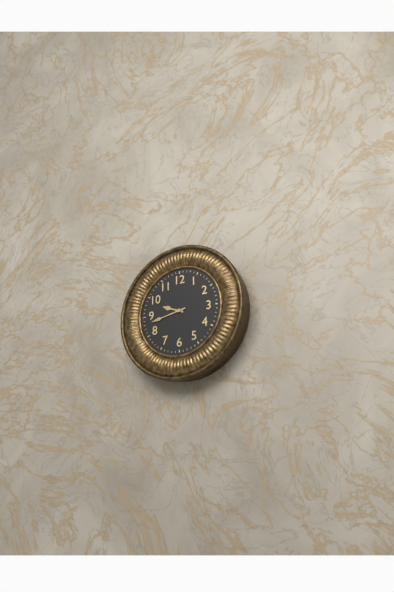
9:43
